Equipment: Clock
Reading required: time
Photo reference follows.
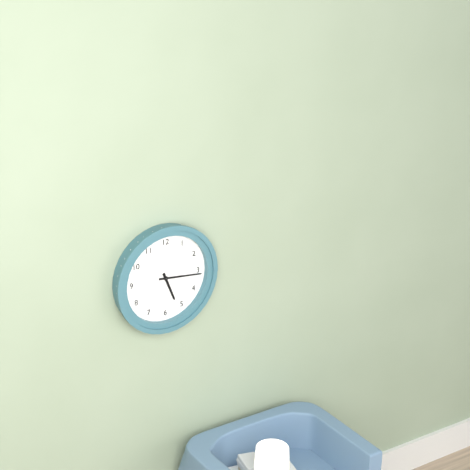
5:16
